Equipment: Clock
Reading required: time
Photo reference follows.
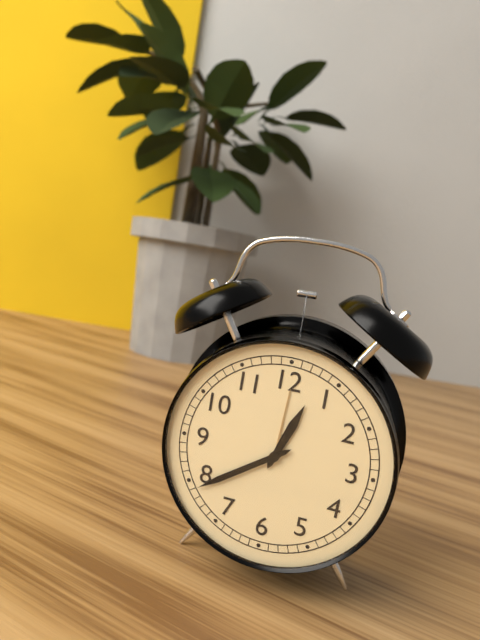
12:39
